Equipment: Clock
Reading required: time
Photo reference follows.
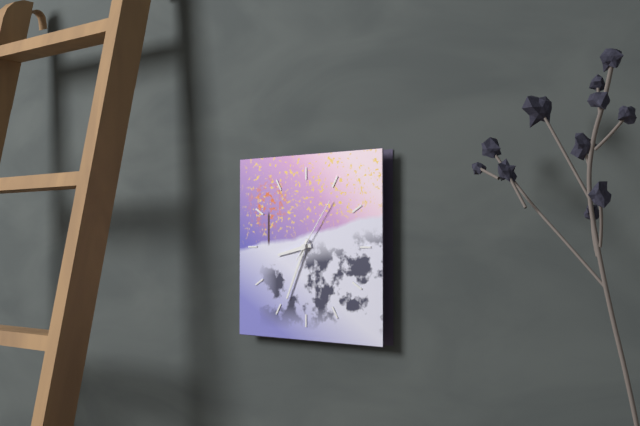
8:34:06
